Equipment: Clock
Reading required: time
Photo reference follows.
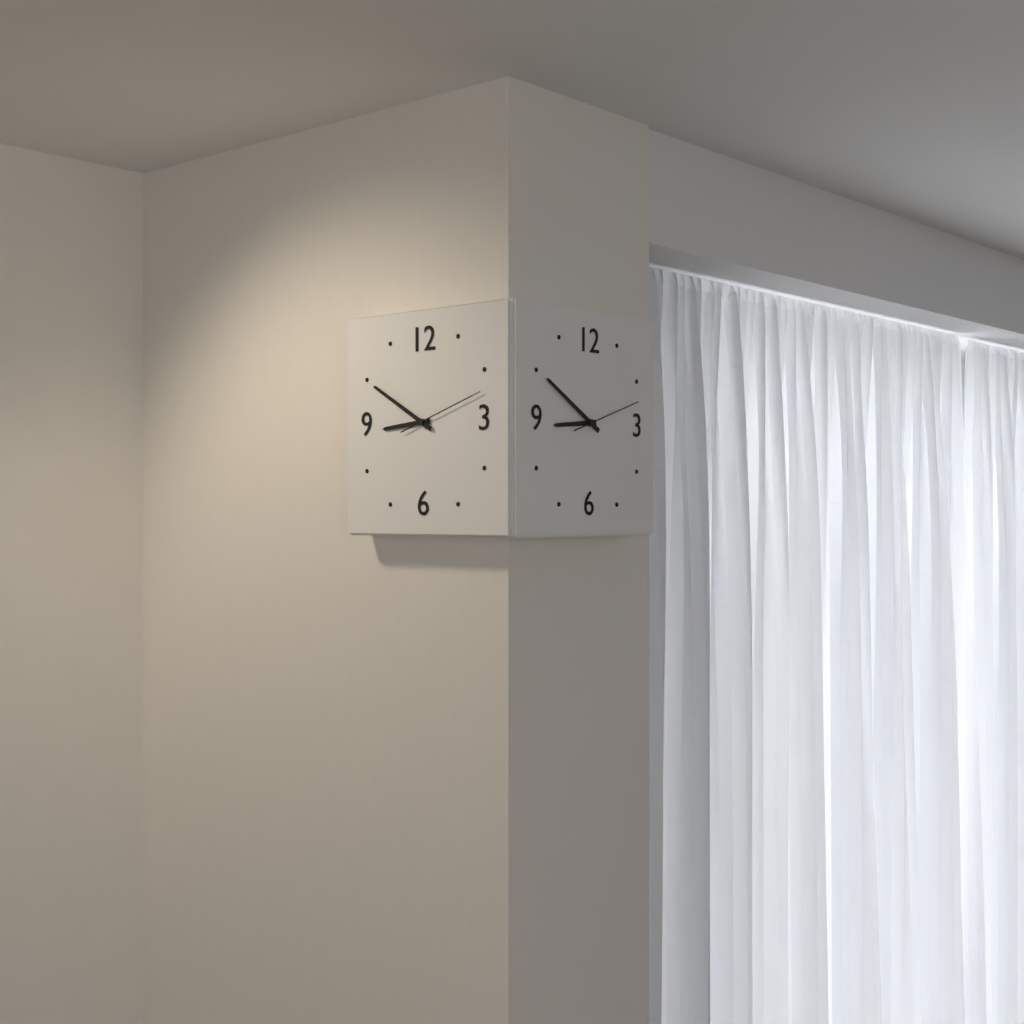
8:50:12
